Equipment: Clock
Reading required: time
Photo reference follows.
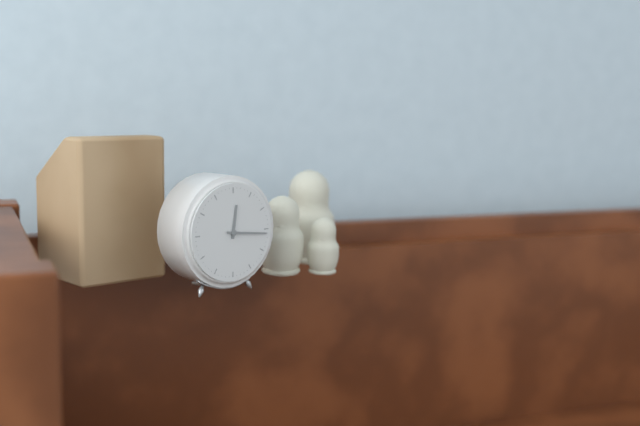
12:16
